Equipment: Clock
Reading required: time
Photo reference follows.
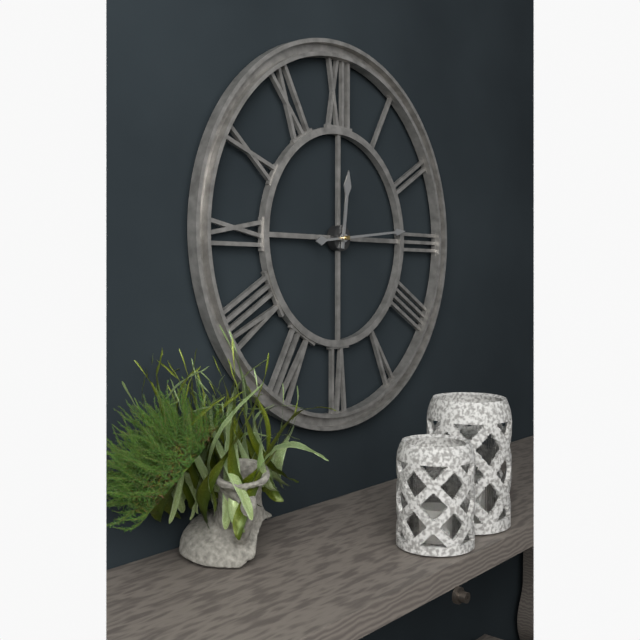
12:14
